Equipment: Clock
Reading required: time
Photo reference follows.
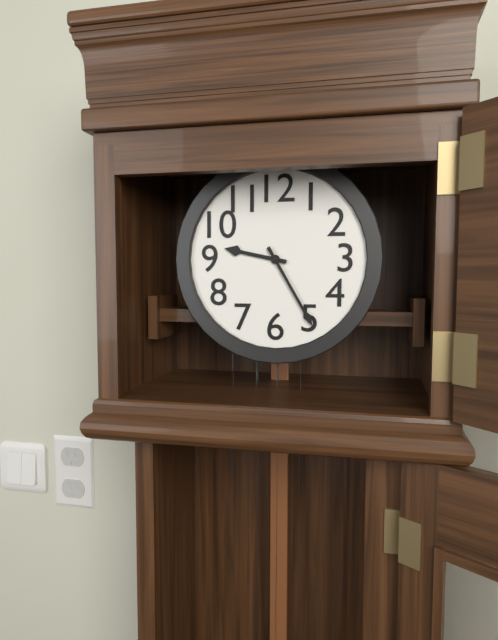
9:25
